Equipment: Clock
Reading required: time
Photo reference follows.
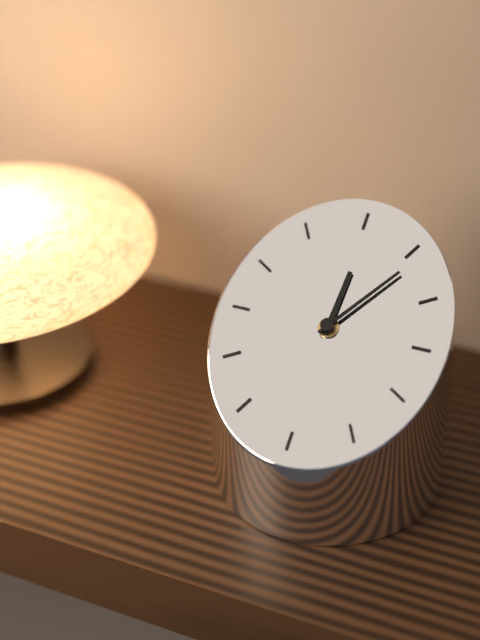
12:06
